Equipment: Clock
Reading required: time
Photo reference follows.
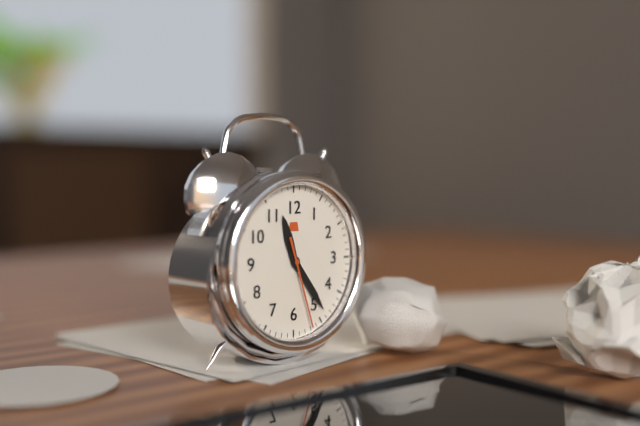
11:24:27
